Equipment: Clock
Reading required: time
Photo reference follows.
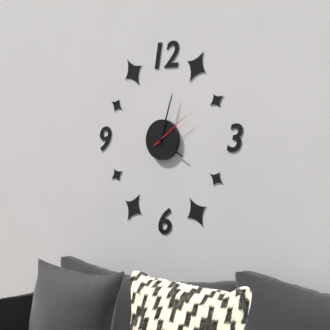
4:03
